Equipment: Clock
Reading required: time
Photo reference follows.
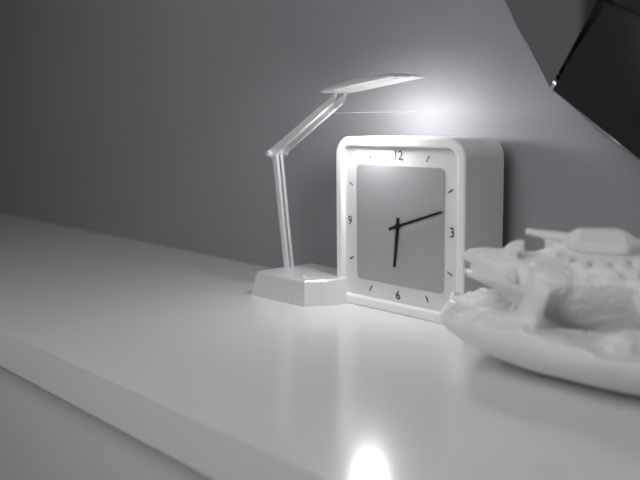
6:12
